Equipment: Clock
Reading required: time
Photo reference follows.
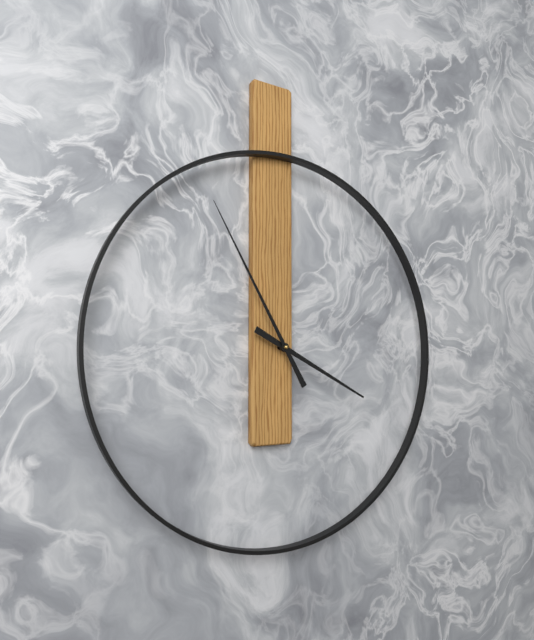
3:55
